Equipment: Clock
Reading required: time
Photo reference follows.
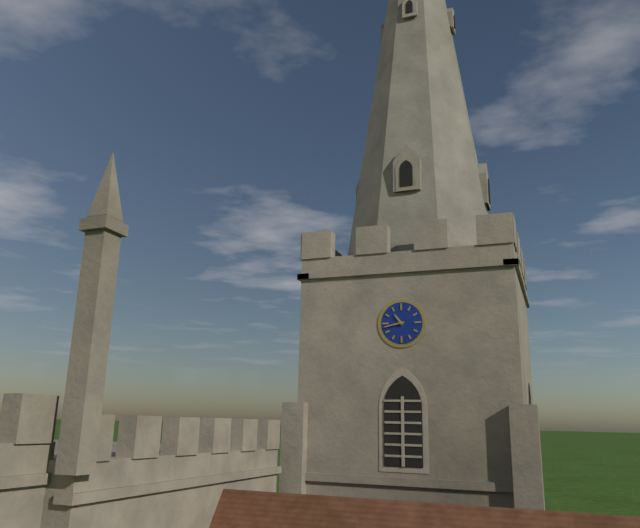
10:43
